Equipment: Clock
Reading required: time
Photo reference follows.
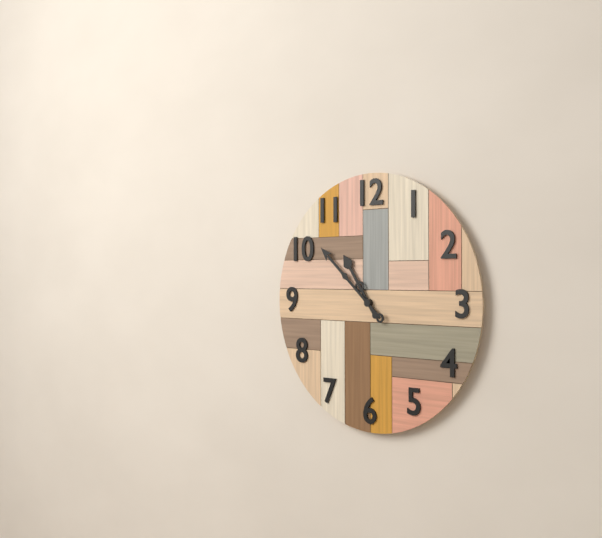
10:52
